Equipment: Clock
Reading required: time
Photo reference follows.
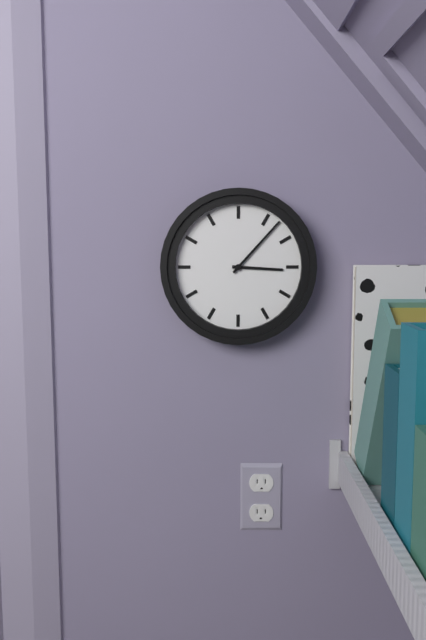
3:07
